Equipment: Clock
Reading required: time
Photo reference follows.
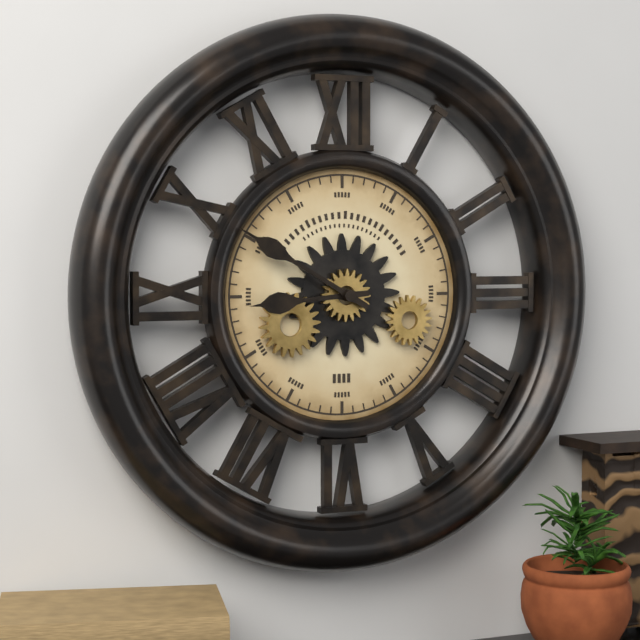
8:50
